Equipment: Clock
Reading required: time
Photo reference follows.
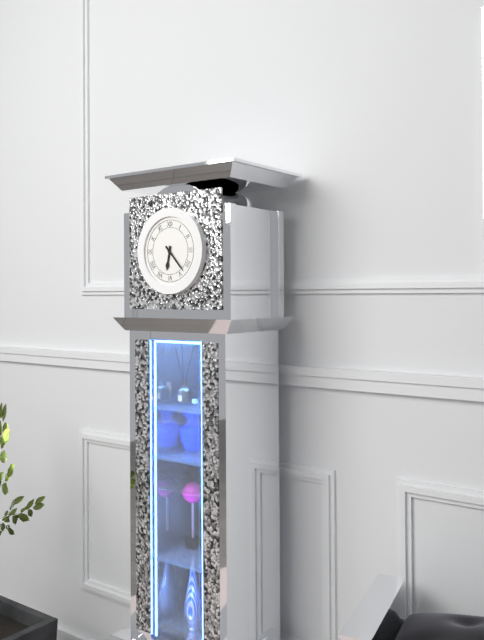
6:23
